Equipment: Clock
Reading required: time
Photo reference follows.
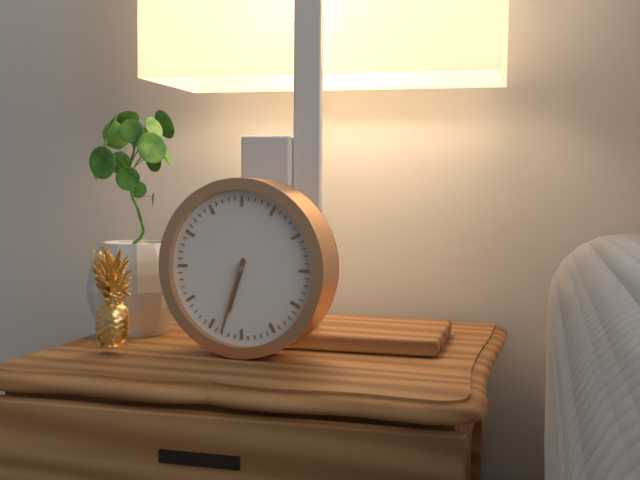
6:33
